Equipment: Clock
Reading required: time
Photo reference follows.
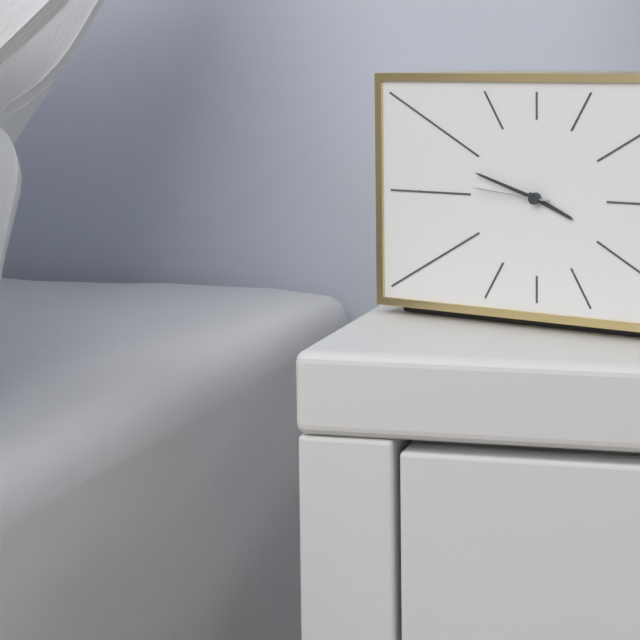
3:48:46
